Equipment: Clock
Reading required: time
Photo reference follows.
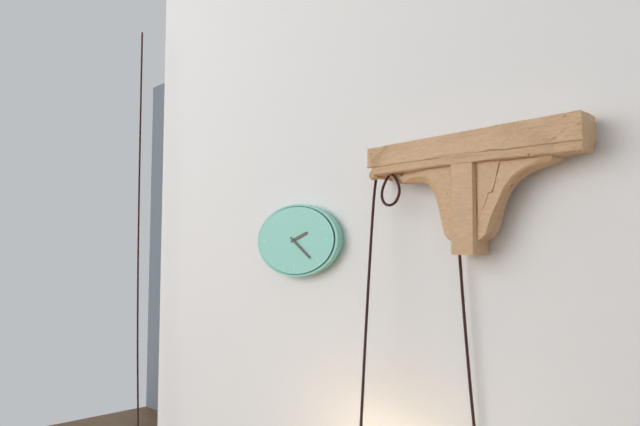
2:21
